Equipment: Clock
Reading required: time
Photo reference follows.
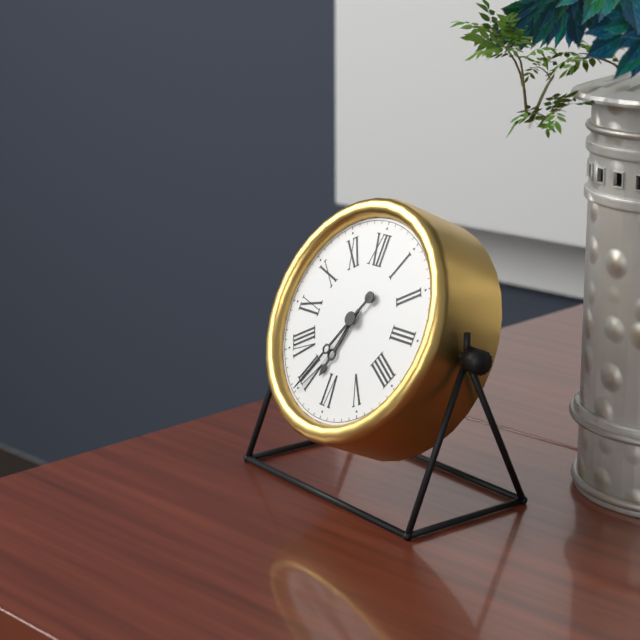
6:35
